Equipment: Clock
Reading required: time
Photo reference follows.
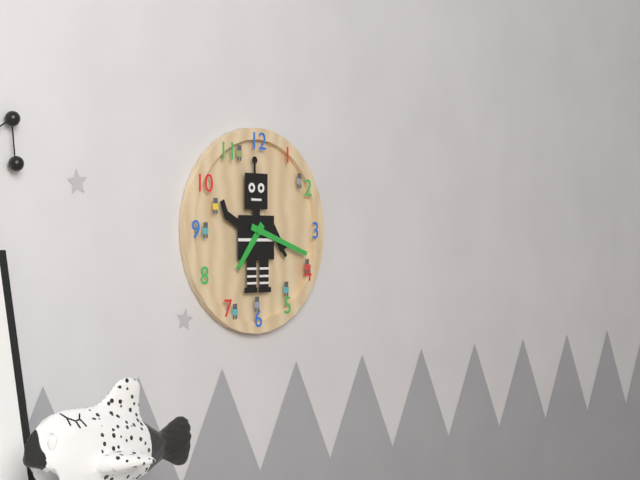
7:18
